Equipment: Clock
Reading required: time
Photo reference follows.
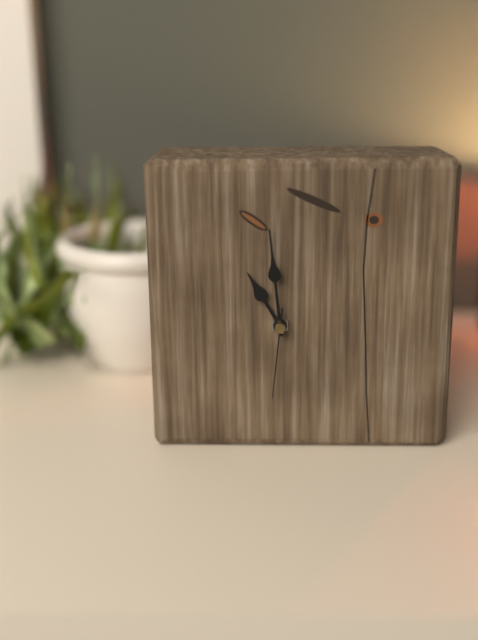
10:59:31
